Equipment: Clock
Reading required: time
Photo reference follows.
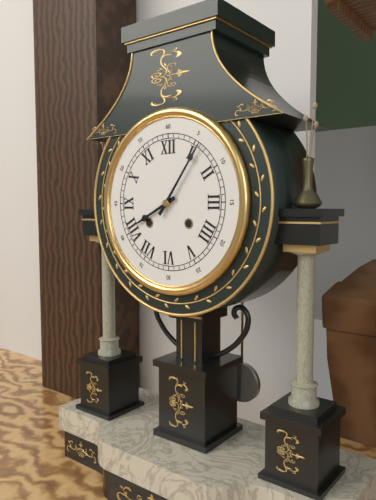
8:06
